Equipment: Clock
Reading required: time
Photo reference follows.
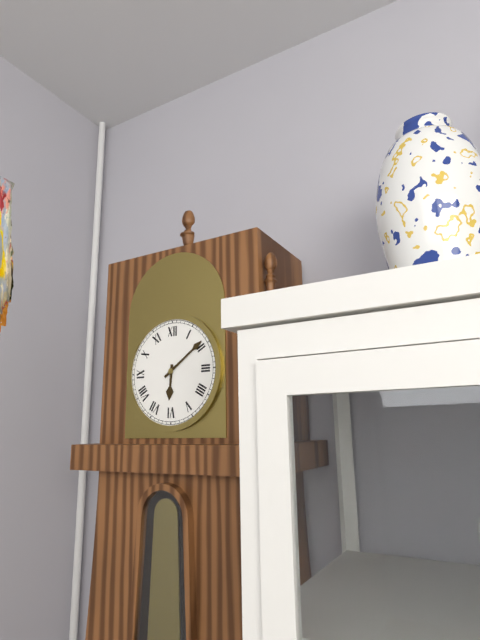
6:09
